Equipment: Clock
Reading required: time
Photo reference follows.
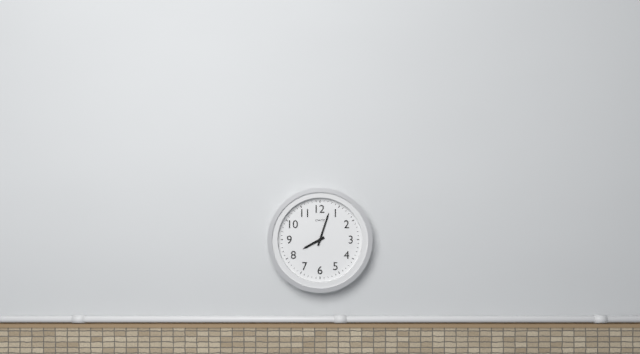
8:03
